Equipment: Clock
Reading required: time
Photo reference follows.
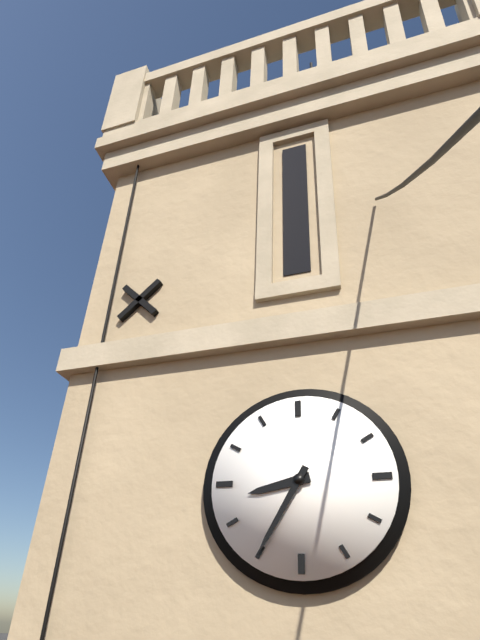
8:35
